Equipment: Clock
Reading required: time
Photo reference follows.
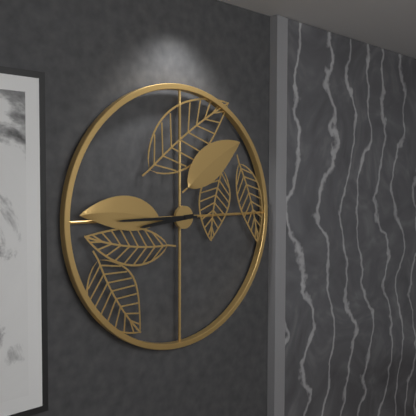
8:45
